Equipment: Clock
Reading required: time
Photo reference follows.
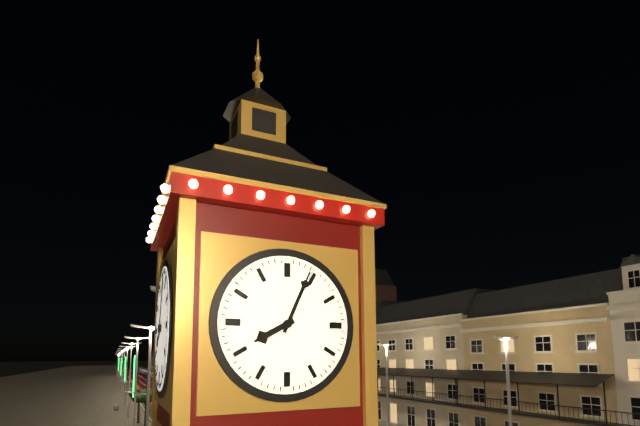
8:04
